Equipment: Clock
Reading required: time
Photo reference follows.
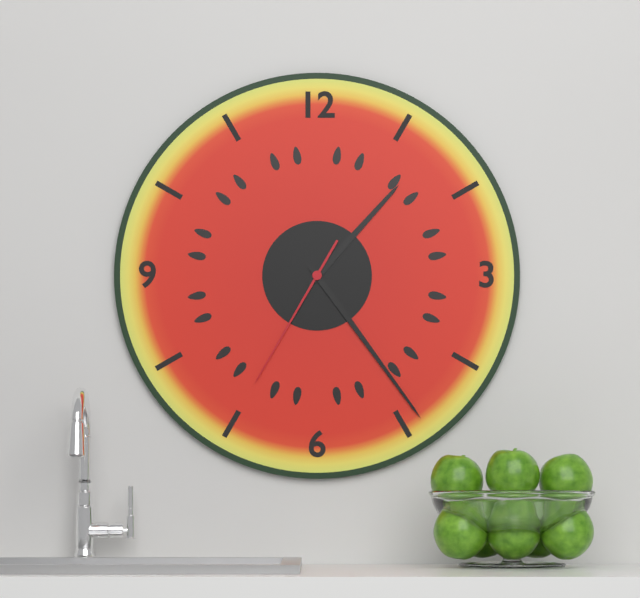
1:24:35
